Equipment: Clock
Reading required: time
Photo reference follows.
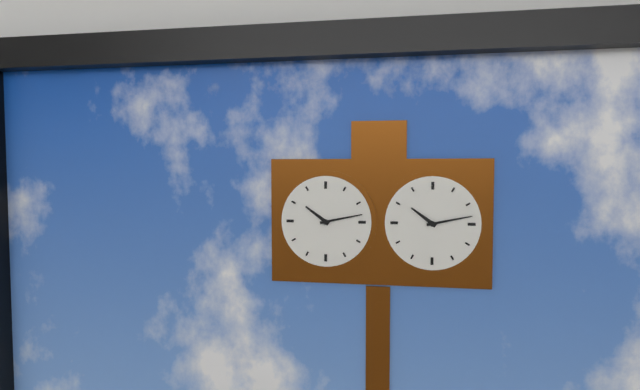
10:13
